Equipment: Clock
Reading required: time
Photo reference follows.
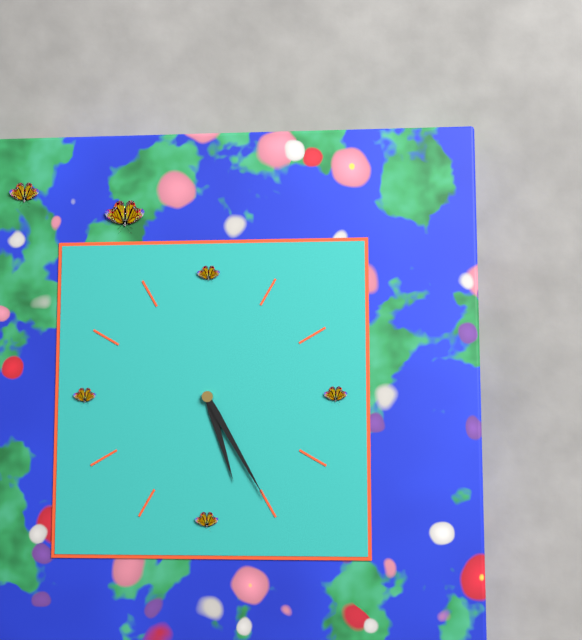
5:25
